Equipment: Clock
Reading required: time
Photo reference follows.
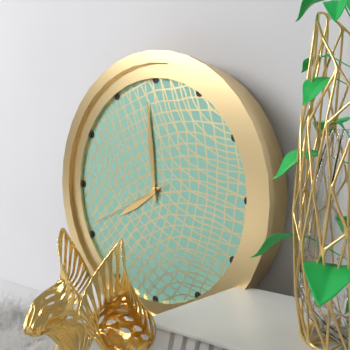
7:59:41
